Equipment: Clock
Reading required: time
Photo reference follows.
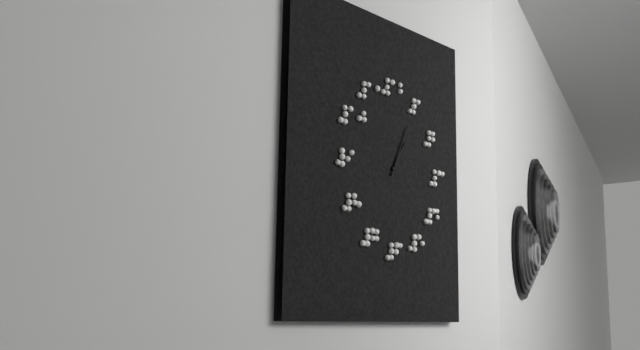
1:04
